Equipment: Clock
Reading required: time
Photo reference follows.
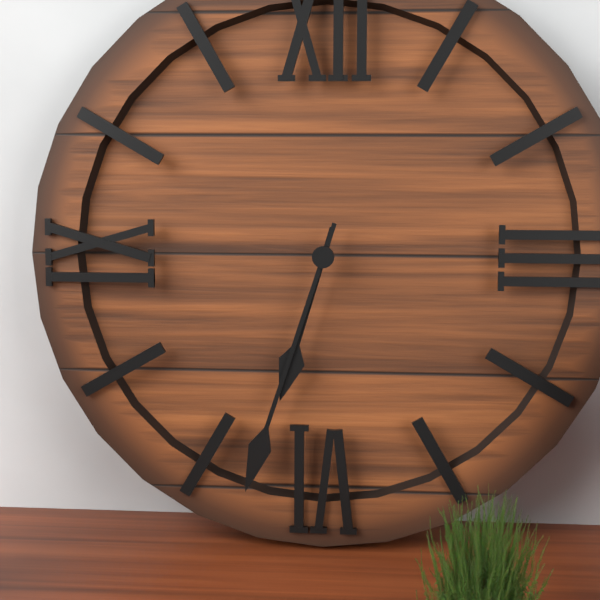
6:33
